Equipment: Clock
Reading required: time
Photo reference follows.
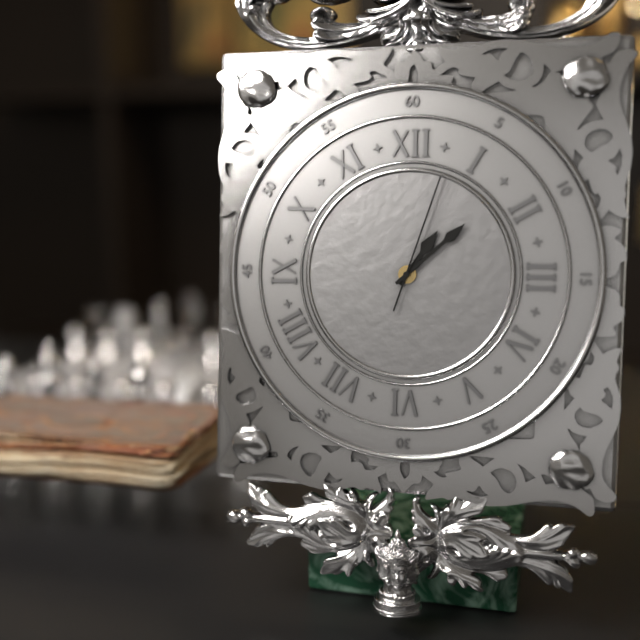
1:08:03
